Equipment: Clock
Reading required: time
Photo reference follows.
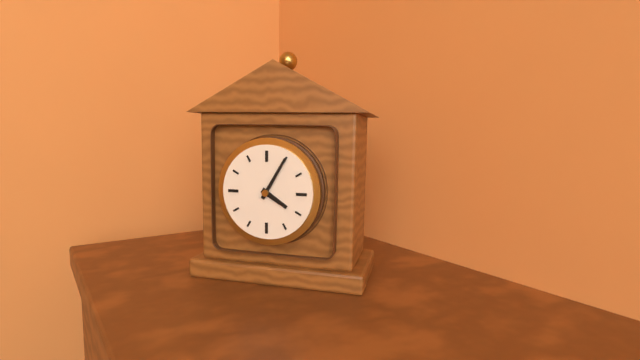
4:05
